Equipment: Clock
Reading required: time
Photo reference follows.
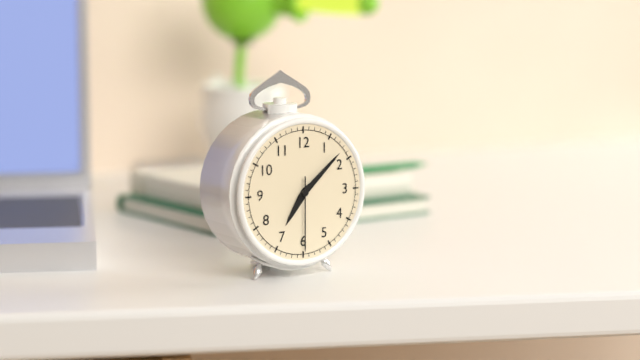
7:08:30
